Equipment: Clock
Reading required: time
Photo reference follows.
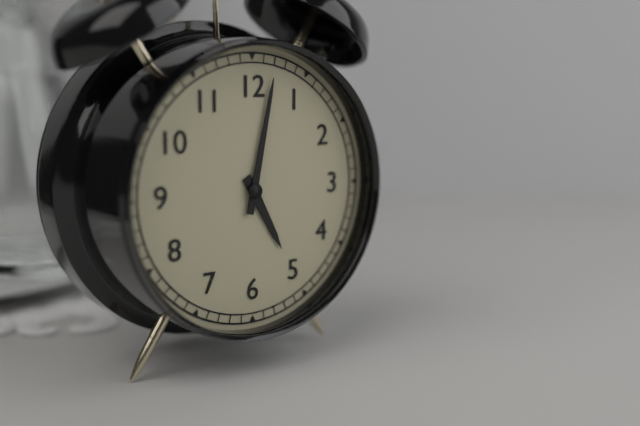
5:02
